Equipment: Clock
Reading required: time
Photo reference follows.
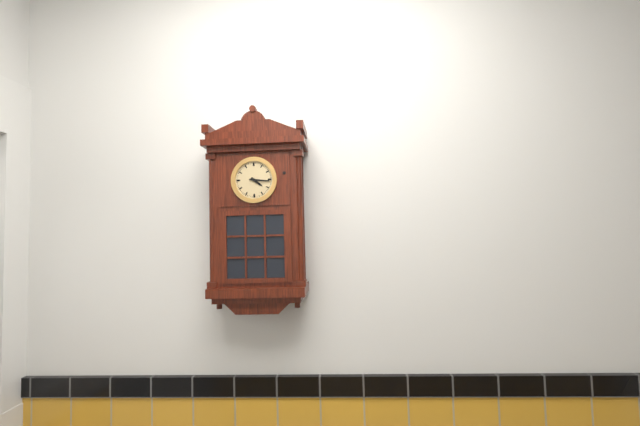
4:16
